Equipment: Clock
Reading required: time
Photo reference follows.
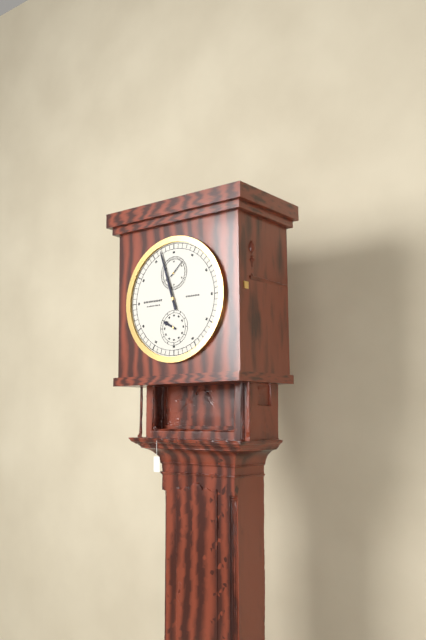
9:57
